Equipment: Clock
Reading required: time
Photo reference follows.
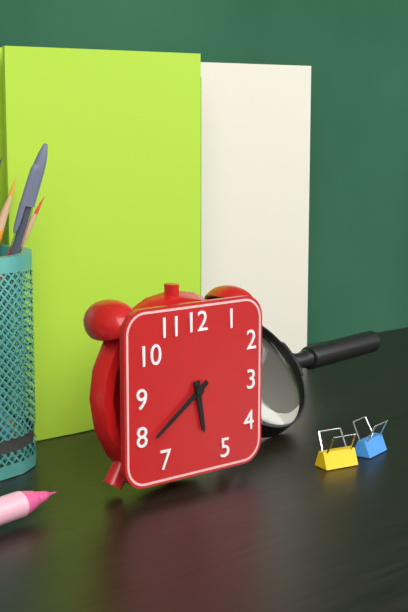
5:39
